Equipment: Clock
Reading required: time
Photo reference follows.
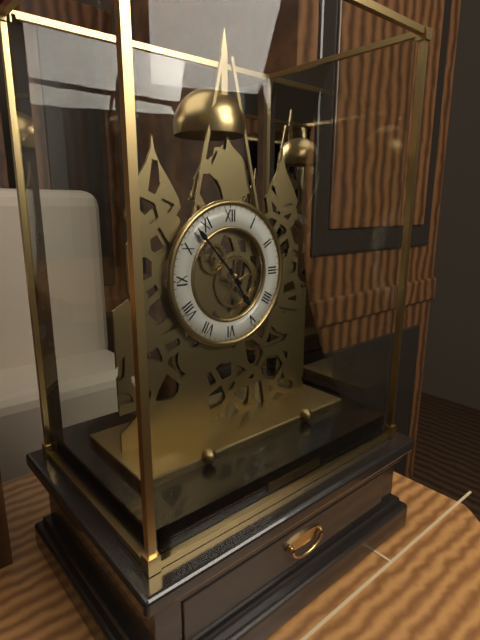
4:53
